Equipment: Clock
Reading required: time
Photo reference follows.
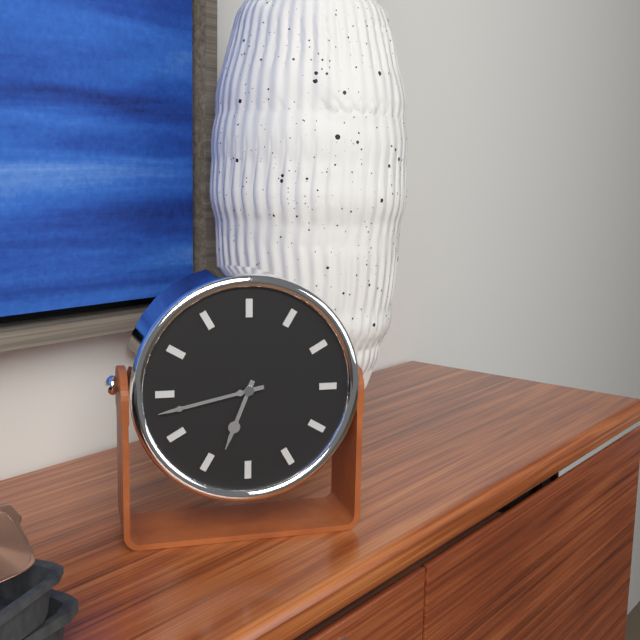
6:43
